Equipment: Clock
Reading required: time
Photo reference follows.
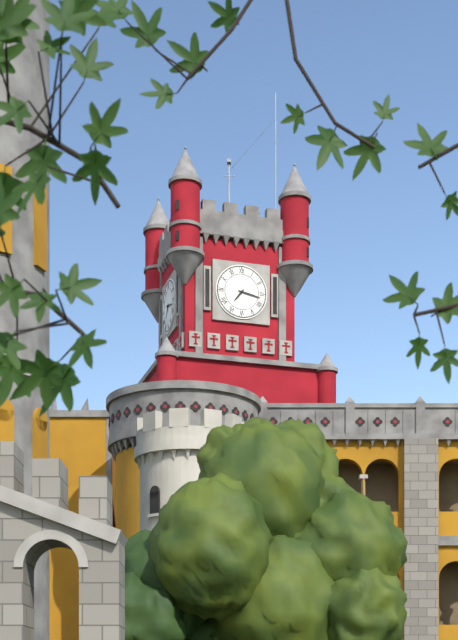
7:17
